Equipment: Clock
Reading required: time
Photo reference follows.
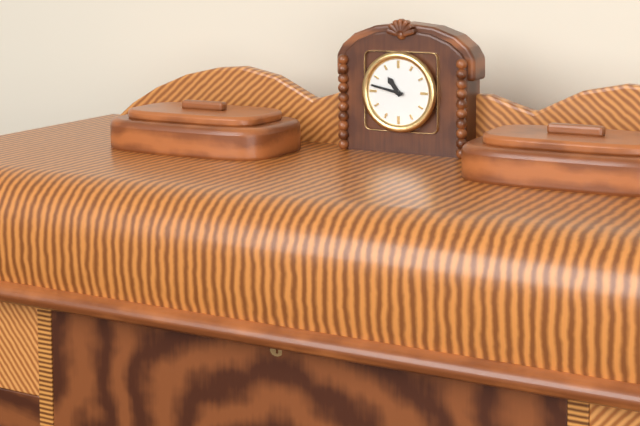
10:47
